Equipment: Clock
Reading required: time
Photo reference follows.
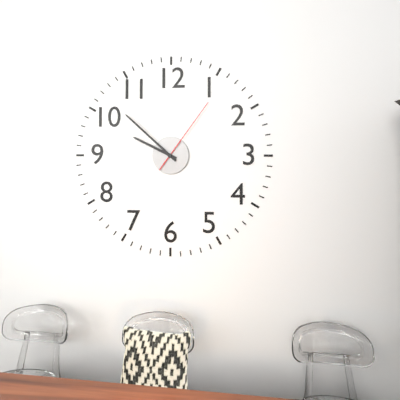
9:52:06
